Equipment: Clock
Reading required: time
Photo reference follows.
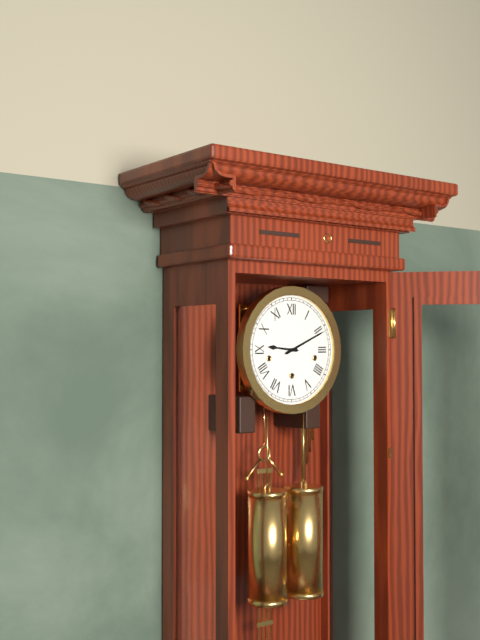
9:11
